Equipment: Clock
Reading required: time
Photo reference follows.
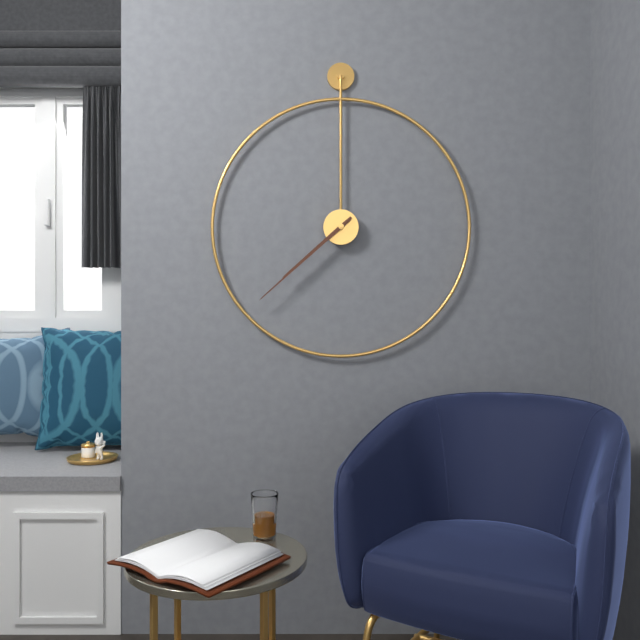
7:38
